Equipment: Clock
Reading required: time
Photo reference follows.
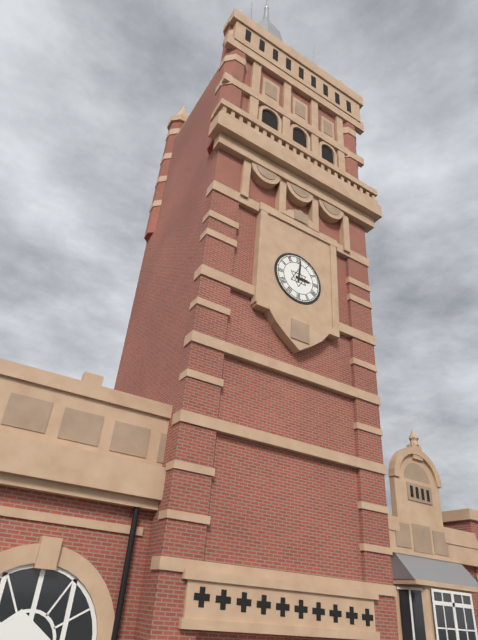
3:01
